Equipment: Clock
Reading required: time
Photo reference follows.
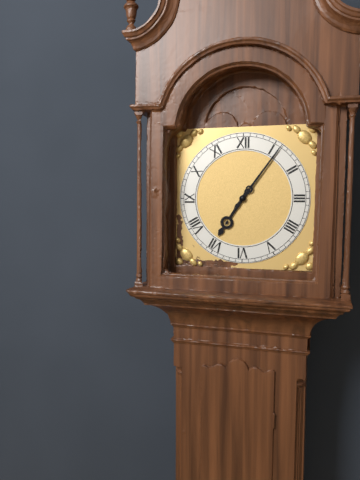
7:06
